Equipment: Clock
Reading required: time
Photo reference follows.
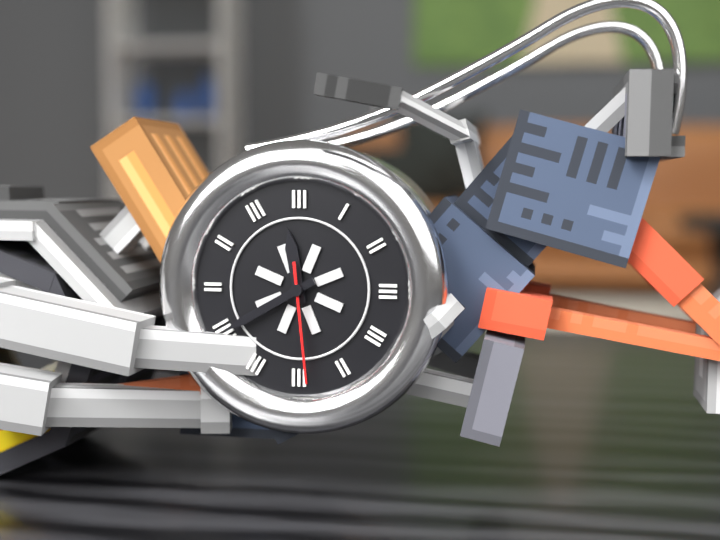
11:40:29
